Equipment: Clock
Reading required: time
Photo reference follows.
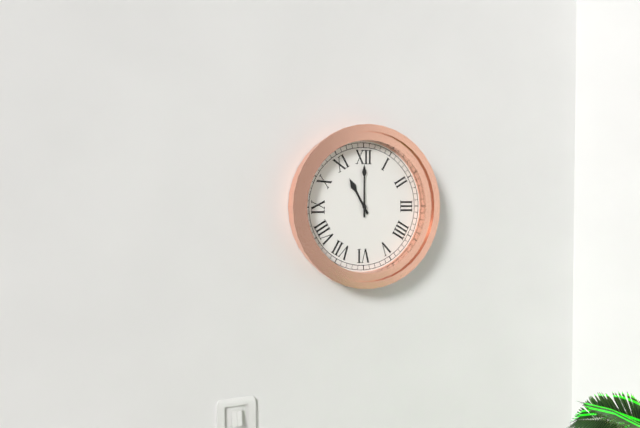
11:00
